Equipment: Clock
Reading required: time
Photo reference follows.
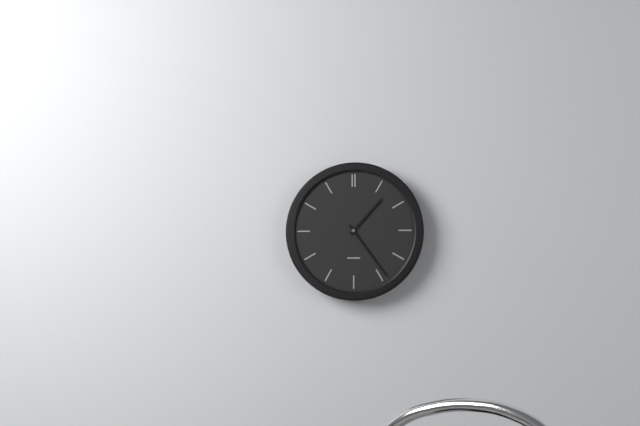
1:24
